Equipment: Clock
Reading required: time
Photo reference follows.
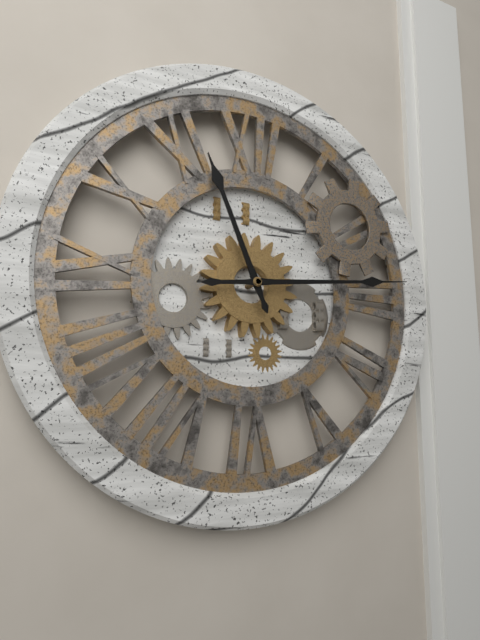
11:14
